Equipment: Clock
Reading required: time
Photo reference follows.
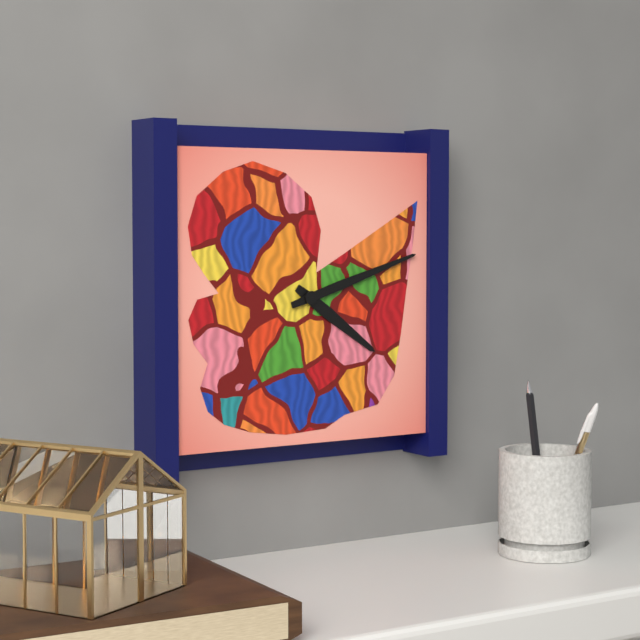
4:12
